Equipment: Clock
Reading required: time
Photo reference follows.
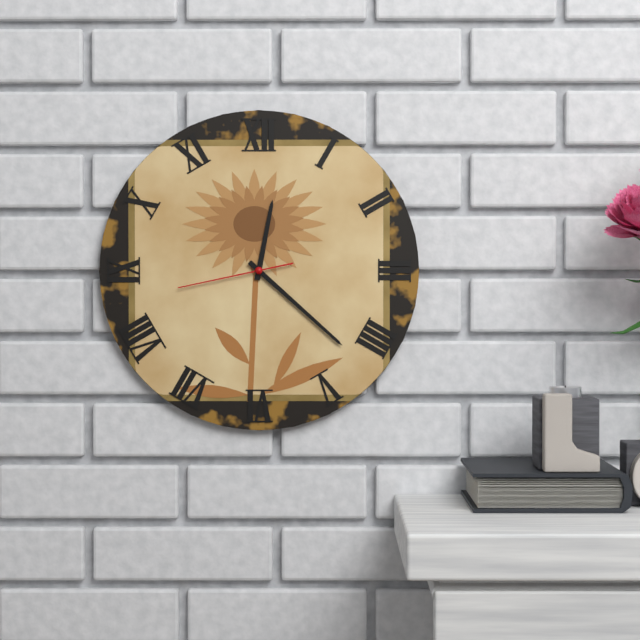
12:22:43
